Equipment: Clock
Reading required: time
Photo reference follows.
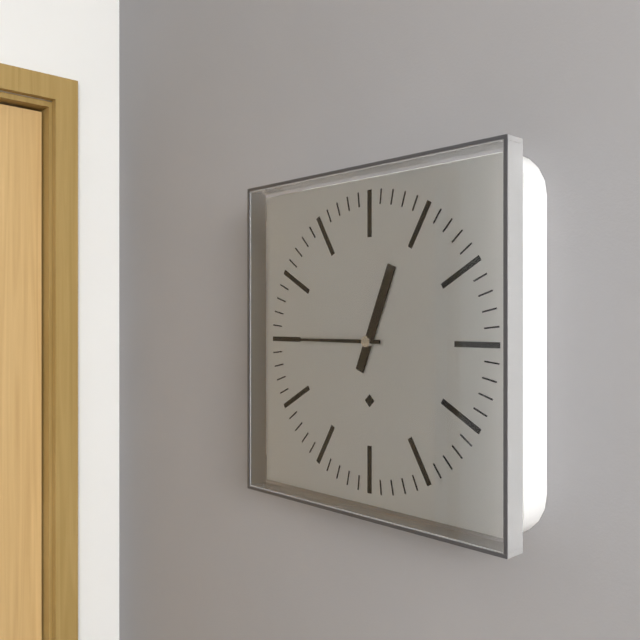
12:45
